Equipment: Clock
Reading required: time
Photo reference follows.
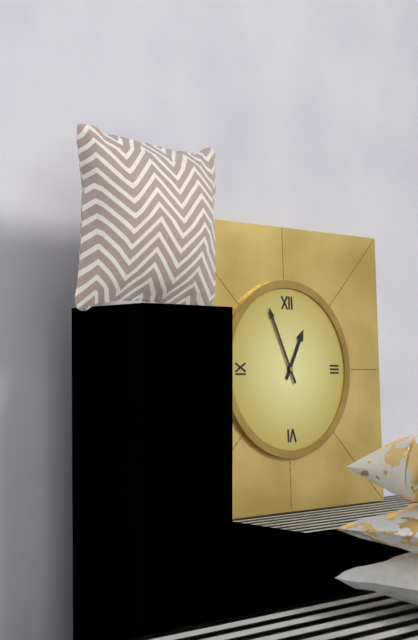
12:56
